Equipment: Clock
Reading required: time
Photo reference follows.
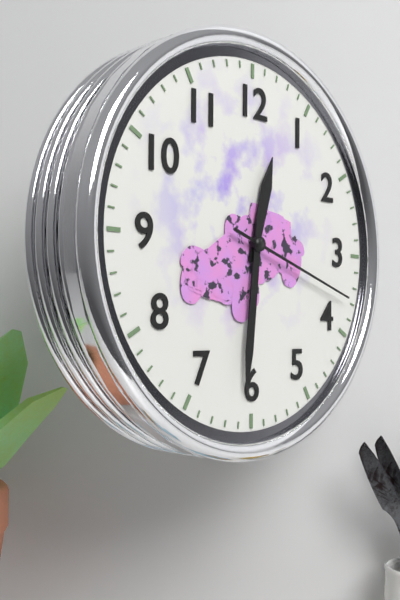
12:31:18
